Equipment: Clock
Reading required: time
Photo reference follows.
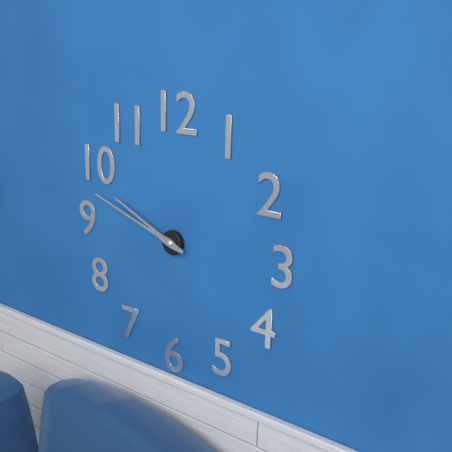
9:48
